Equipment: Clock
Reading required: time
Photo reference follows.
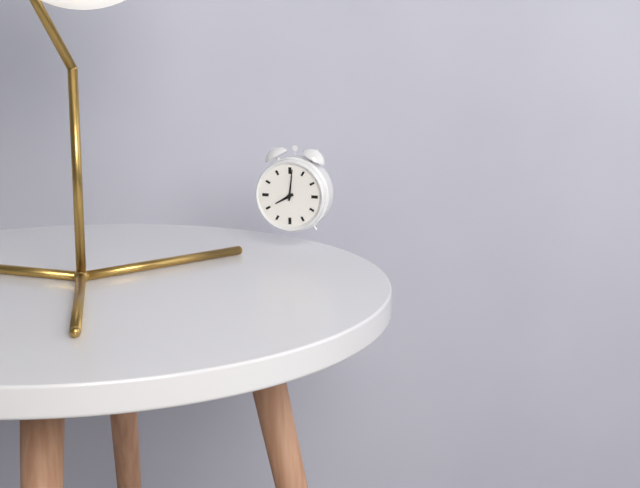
8:01
